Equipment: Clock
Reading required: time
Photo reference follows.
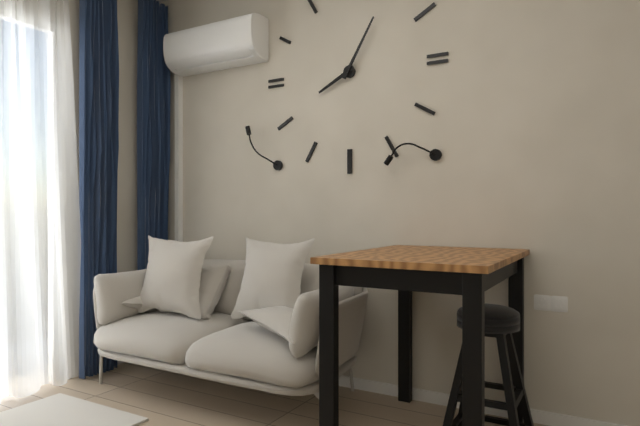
8:05
